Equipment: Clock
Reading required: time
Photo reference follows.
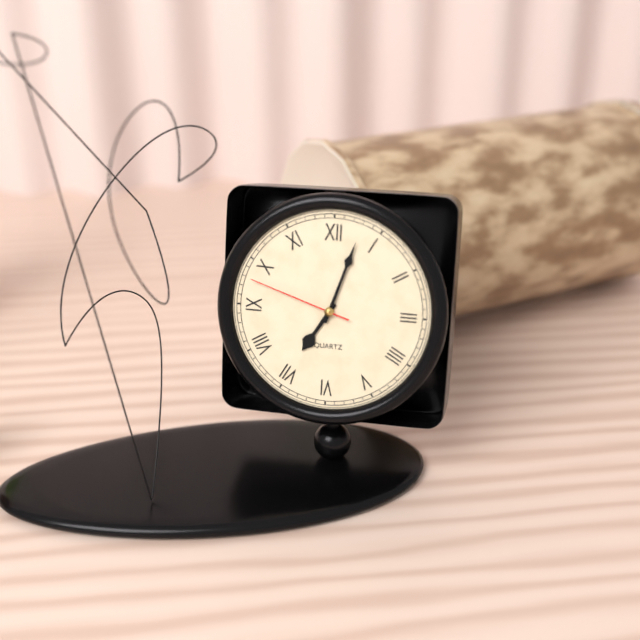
7:03:48
